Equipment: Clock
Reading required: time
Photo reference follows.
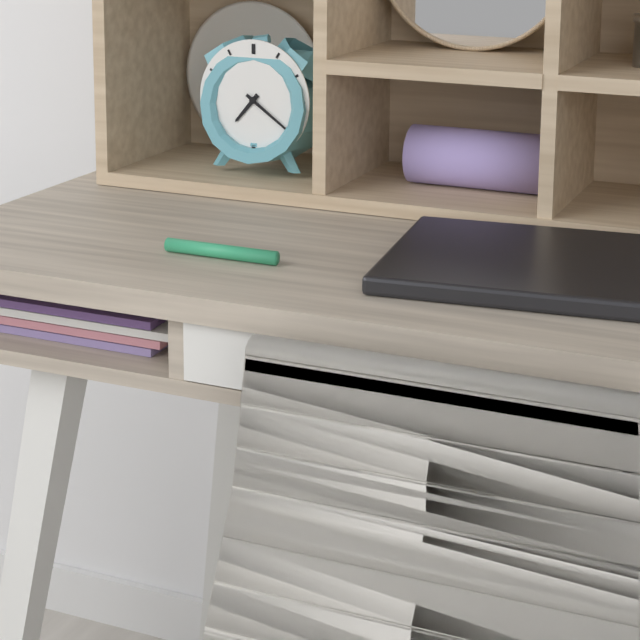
7:21
